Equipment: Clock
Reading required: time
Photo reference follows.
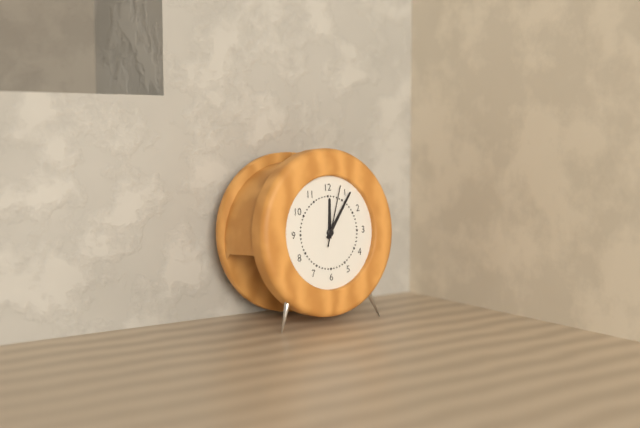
12:06:03
